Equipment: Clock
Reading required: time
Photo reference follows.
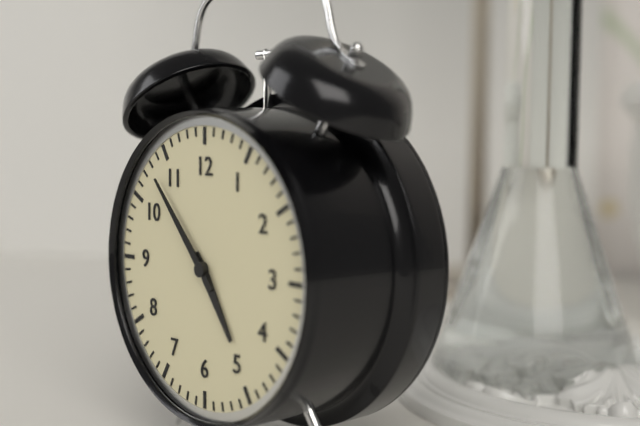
4:53
